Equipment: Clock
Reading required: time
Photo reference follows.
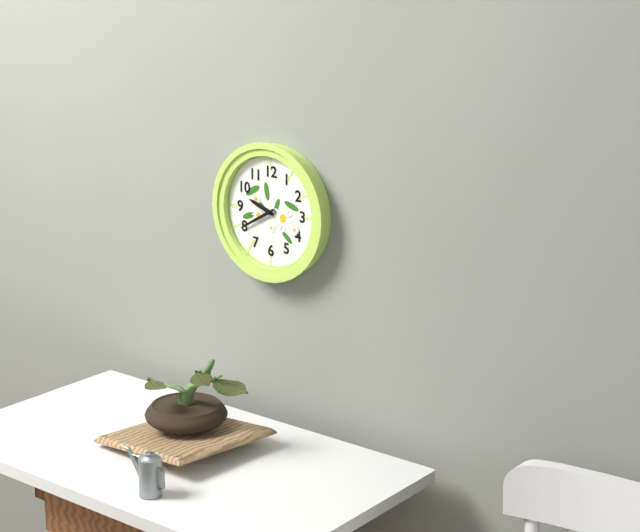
9:40
